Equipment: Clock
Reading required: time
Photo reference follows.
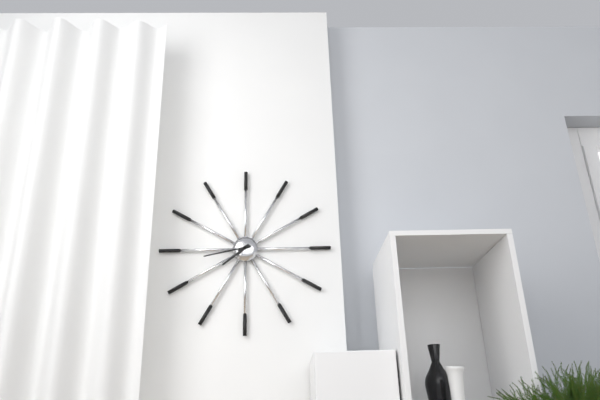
7:43
